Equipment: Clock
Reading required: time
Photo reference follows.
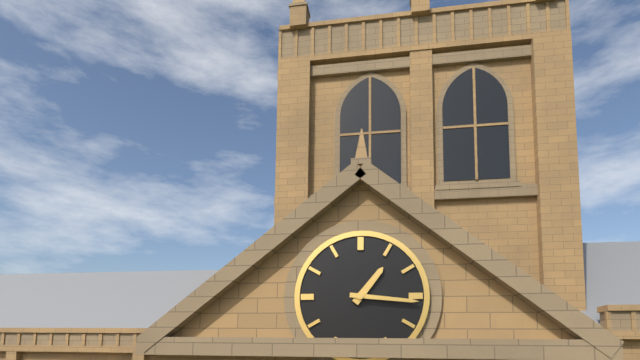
1:16
